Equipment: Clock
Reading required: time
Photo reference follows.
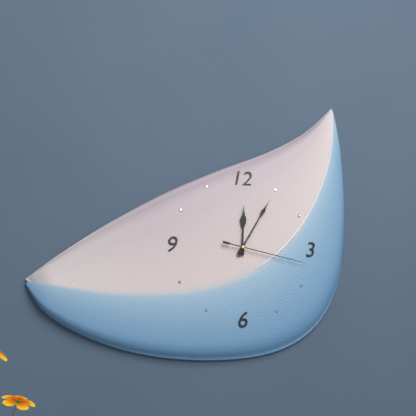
12:05:17
